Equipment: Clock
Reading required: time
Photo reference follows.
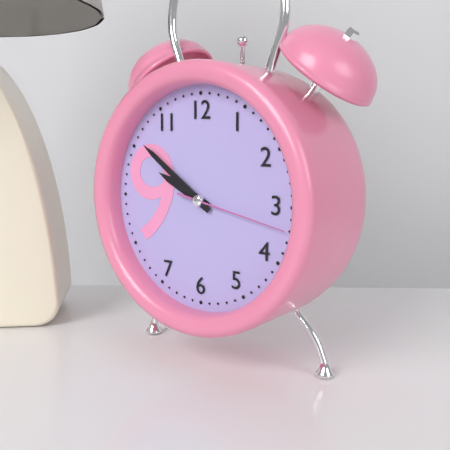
9:51:17
